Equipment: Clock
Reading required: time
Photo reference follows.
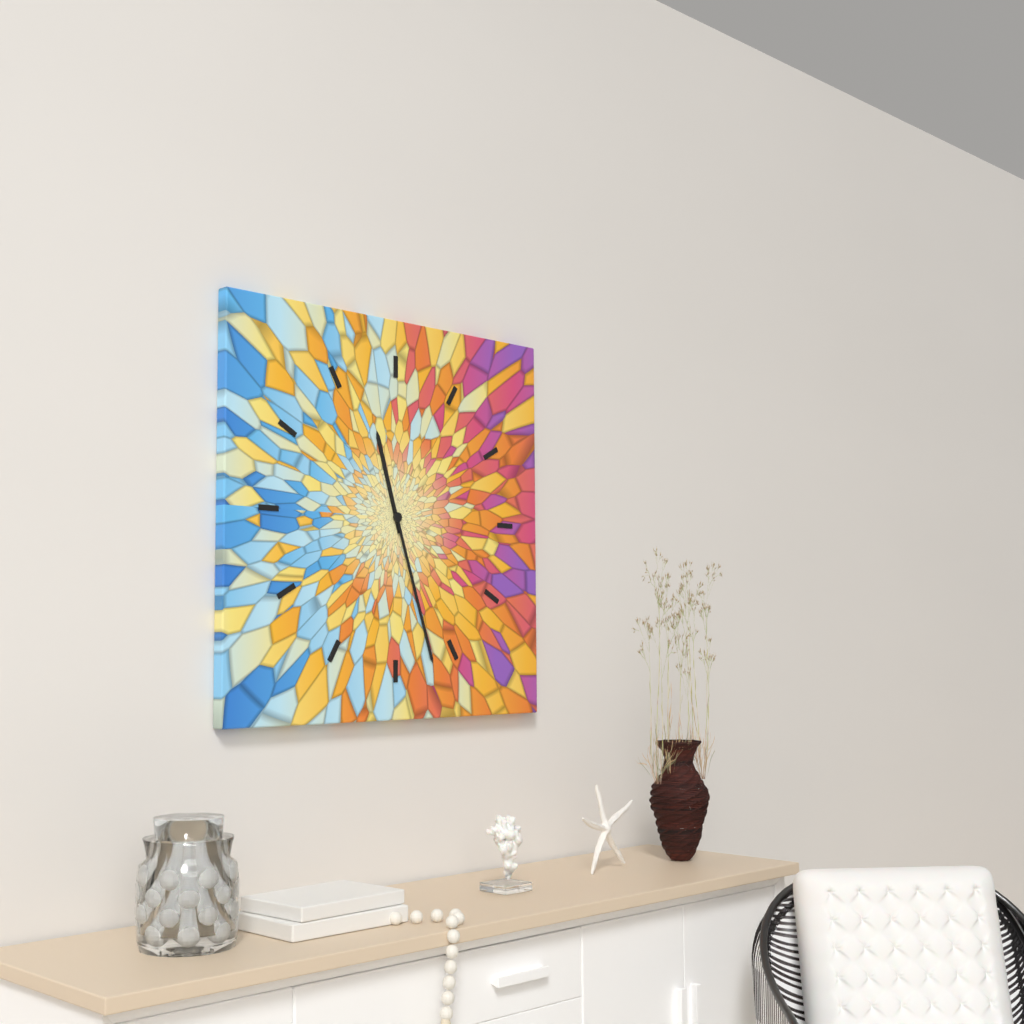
11:27
